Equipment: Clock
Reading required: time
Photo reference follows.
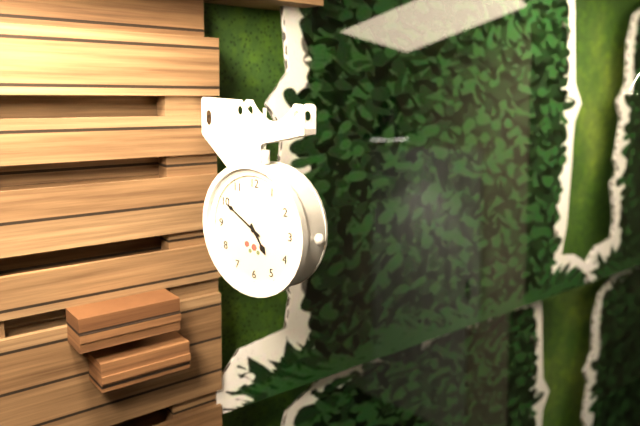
4:50
